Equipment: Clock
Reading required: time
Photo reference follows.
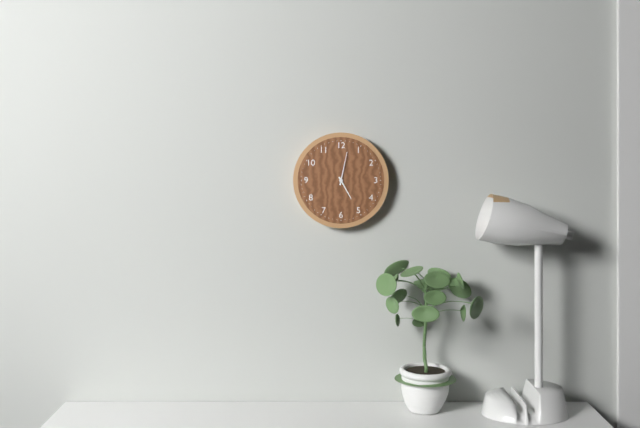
5:02
